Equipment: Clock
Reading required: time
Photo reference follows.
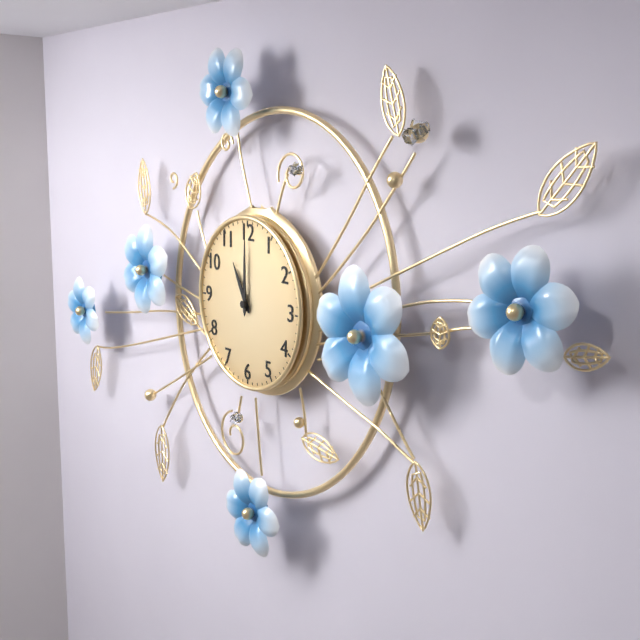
11:00
